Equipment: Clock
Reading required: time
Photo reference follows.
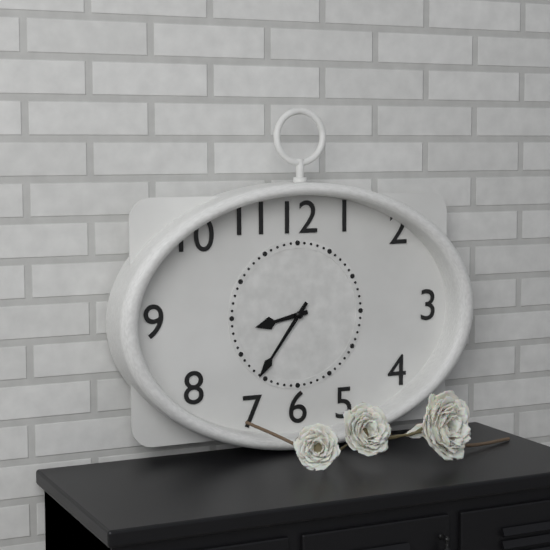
8:36
